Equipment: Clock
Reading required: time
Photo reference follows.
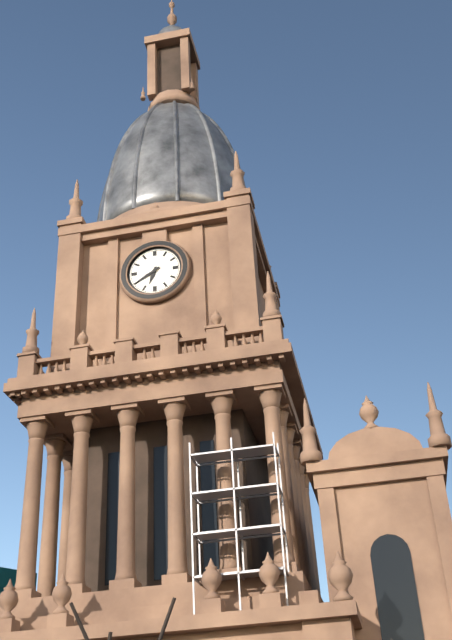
6:40
